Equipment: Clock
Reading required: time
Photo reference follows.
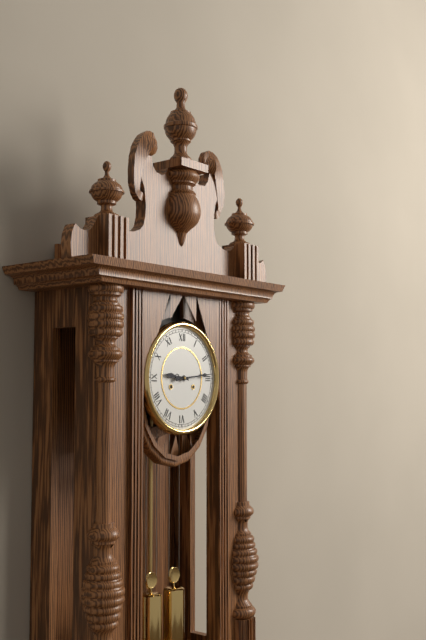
9:14
